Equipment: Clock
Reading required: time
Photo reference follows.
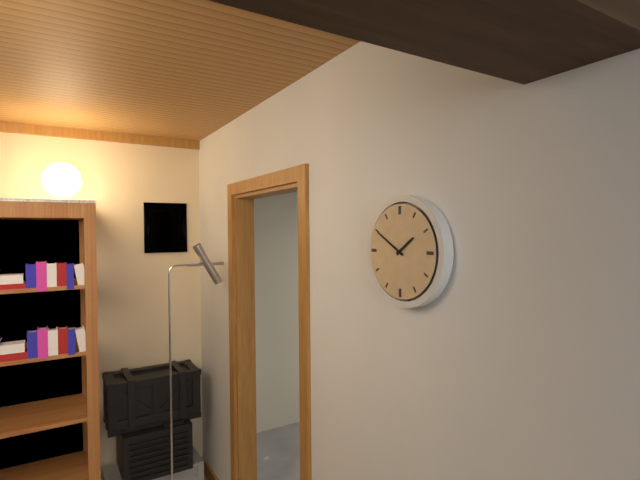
1:50
